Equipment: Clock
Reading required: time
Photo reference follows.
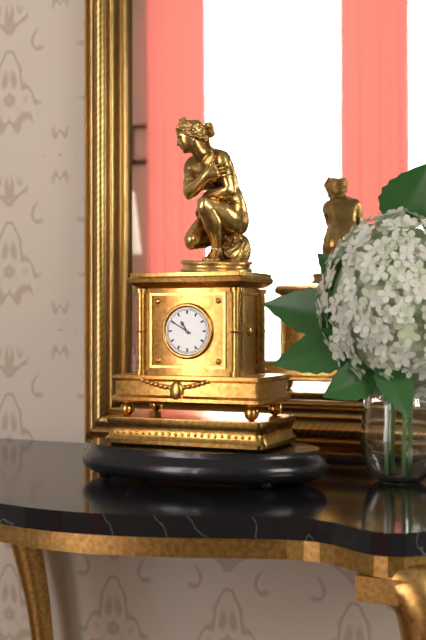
10:50
